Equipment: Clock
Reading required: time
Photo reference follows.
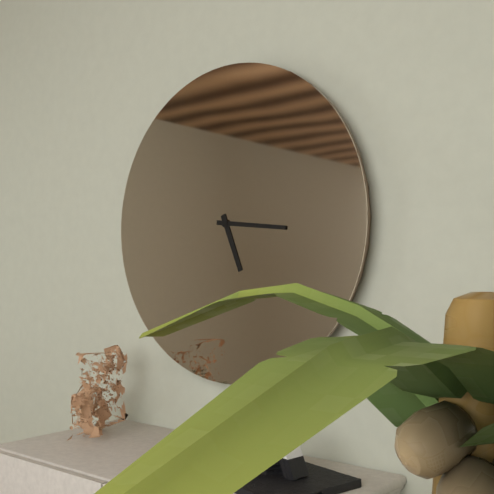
5:16
